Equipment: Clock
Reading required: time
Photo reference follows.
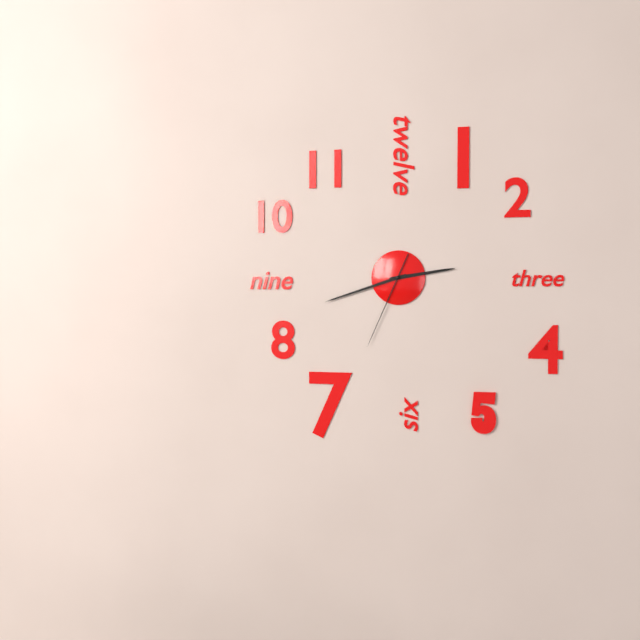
2:42:34
